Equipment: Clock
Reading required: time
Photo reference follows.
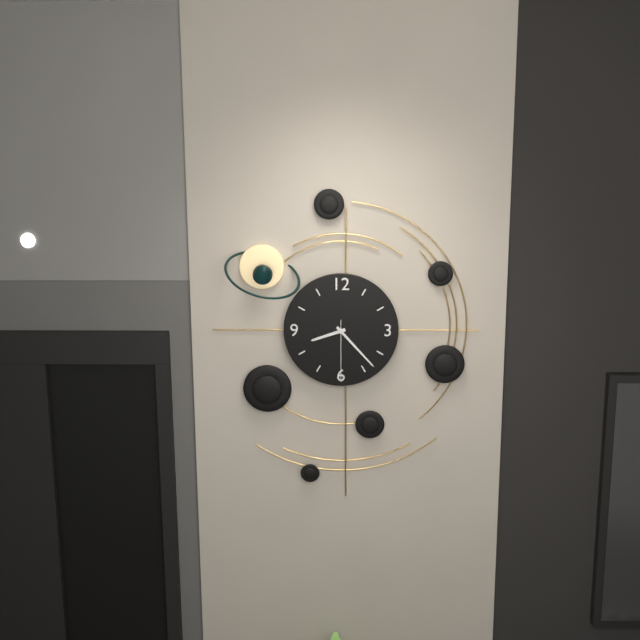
8:23:30
